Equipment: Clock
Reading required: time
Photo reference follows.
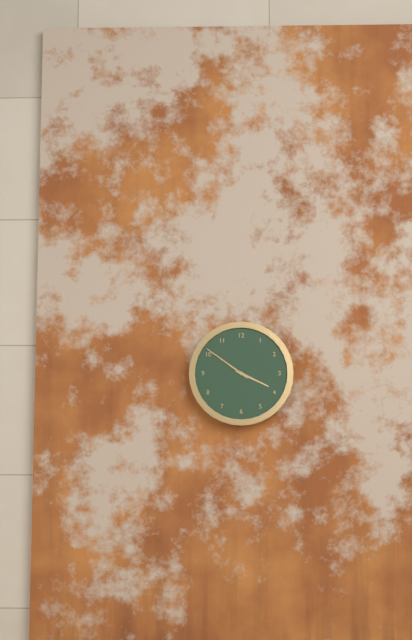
3:51
